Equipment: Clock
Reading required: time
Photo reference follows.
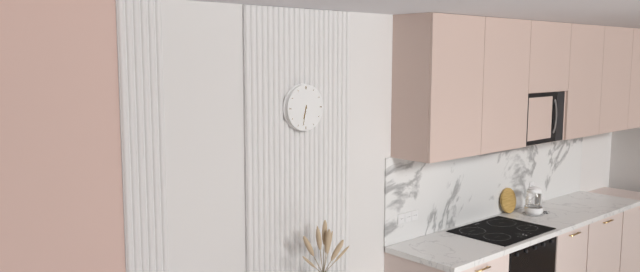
6:32
